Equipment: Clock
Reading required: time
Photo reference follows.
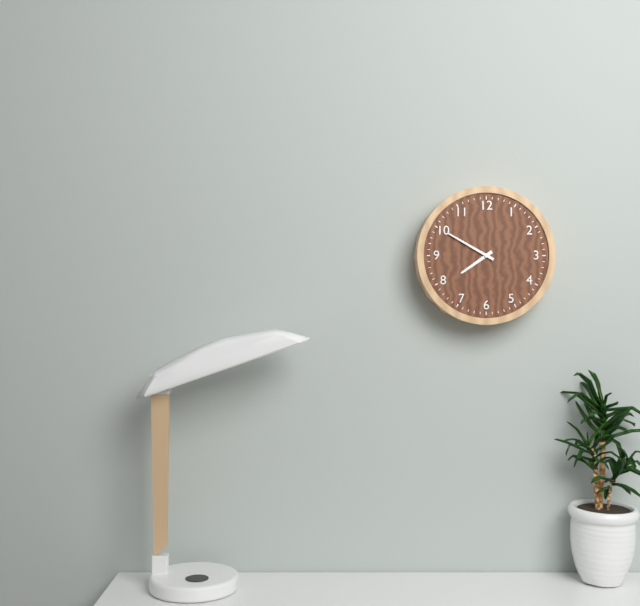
7:50
